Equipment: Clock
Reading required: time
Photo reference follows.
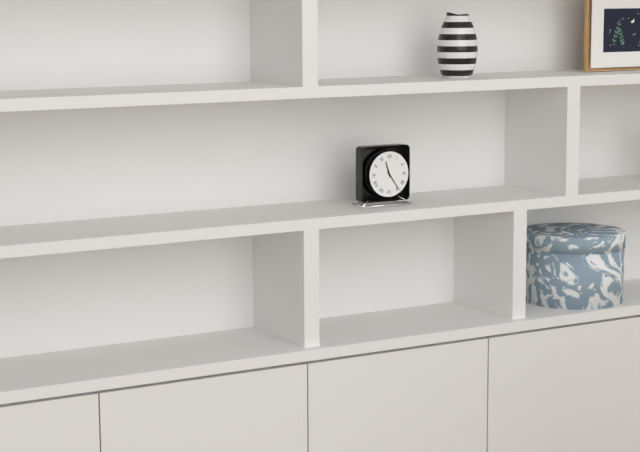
11:24
